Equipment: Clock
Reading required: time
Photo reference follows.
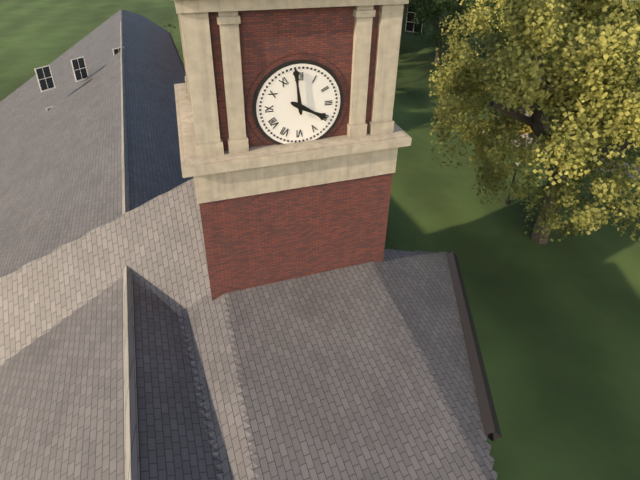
3:59
